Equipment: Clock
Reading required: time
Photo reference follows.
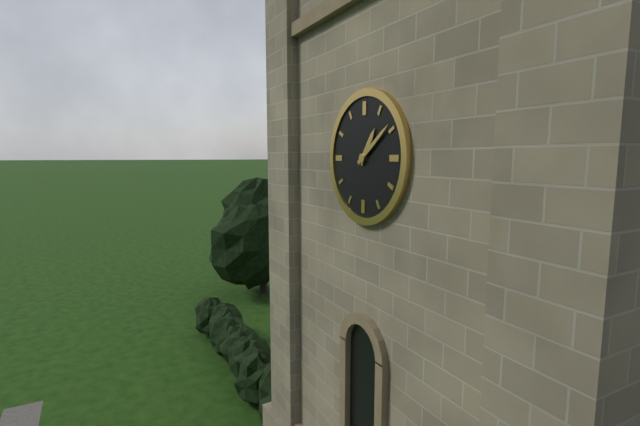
1:09
